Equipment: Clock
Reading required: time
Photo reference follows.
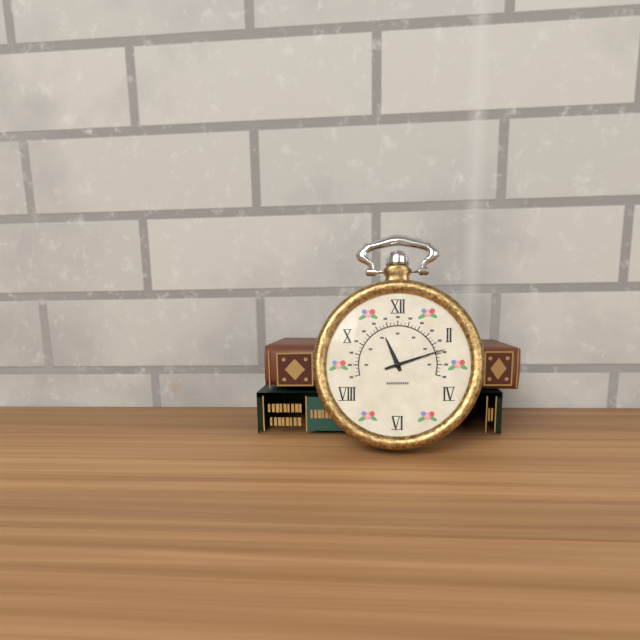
11:12
